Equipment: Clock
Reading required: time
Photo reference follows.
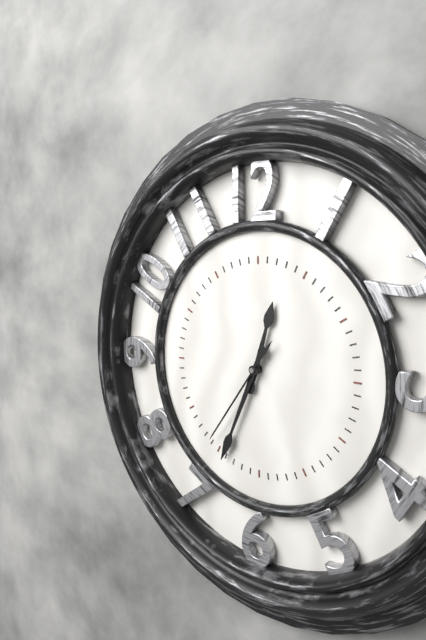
12:34:36
